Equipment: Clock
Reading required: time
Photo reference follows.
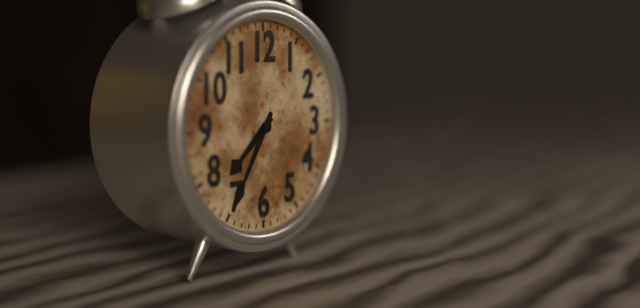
7:35
